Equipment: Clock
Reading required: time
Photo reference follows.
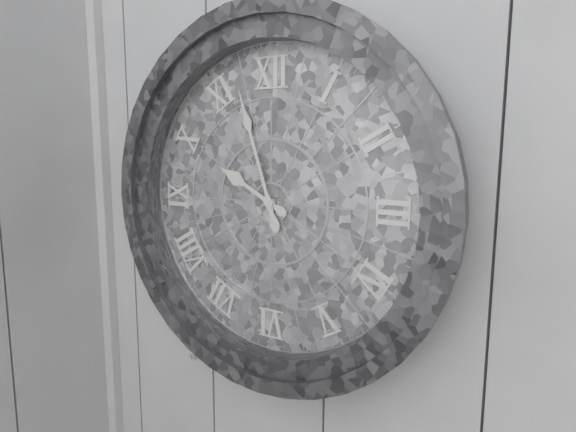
9:57
